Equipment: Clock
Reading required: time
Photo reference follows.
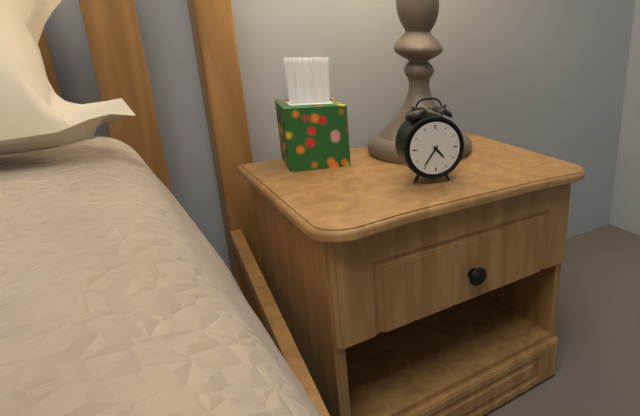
4:36
